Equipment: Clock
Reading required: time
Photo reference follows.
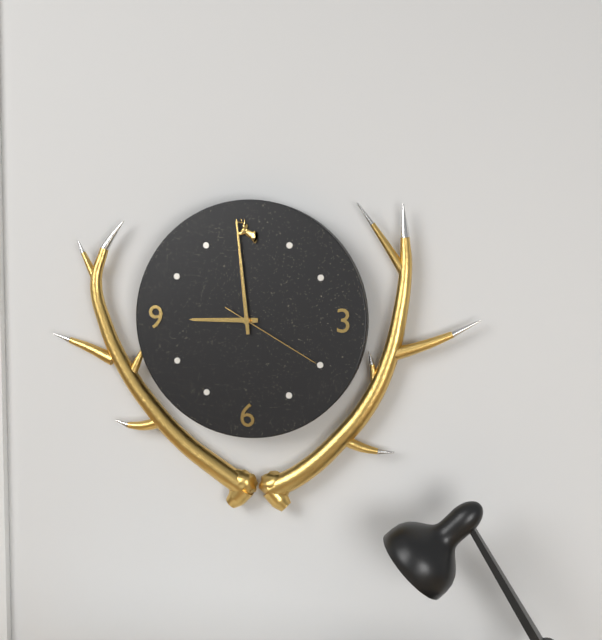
8:59:20
